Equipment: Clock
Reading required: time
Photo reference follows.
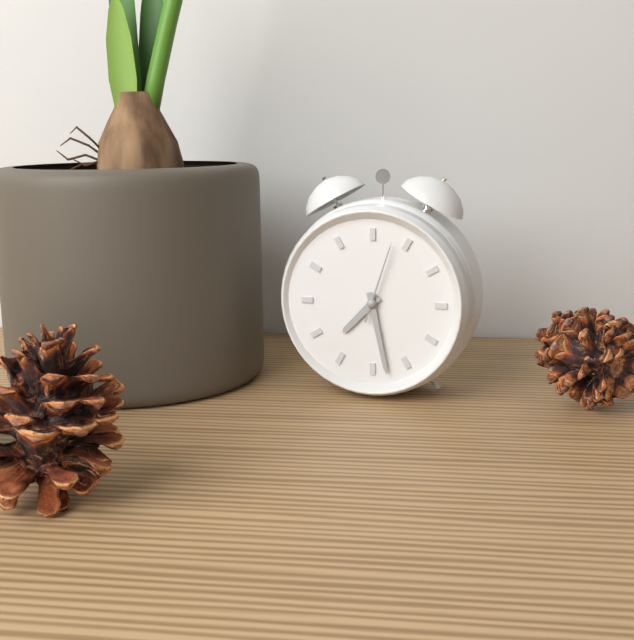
7:28:03
